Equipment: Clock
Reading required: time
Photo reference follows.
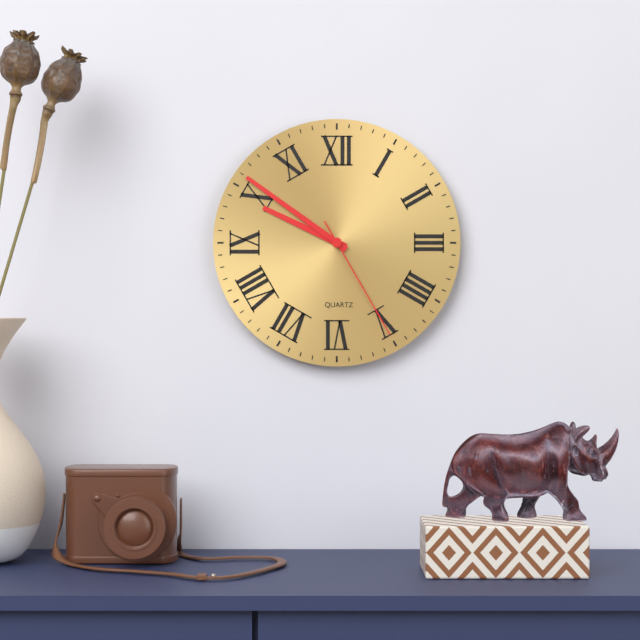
9:51:25
